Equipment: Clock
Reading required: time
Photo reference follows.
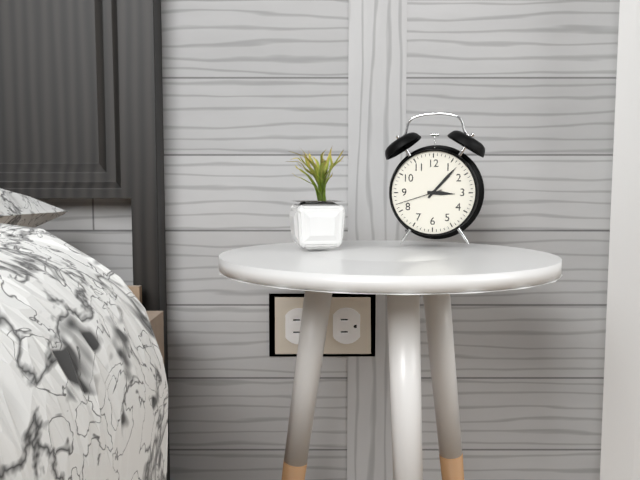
3:07
